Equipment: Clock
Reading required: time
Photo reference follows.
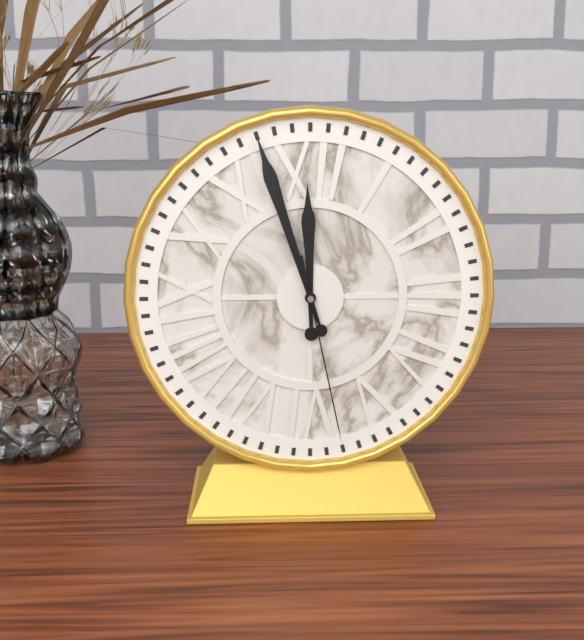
11:57:28
